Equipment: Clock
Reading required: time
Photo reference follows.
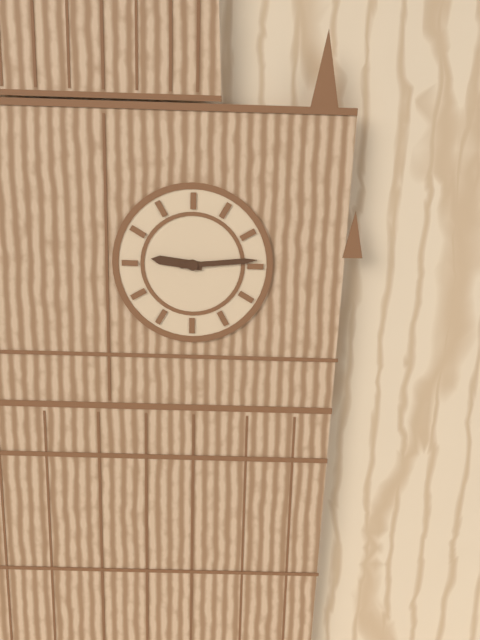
9:14
